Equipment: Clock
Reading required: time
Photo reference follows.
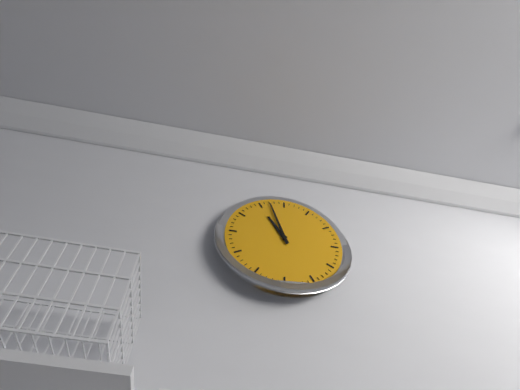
10:57
